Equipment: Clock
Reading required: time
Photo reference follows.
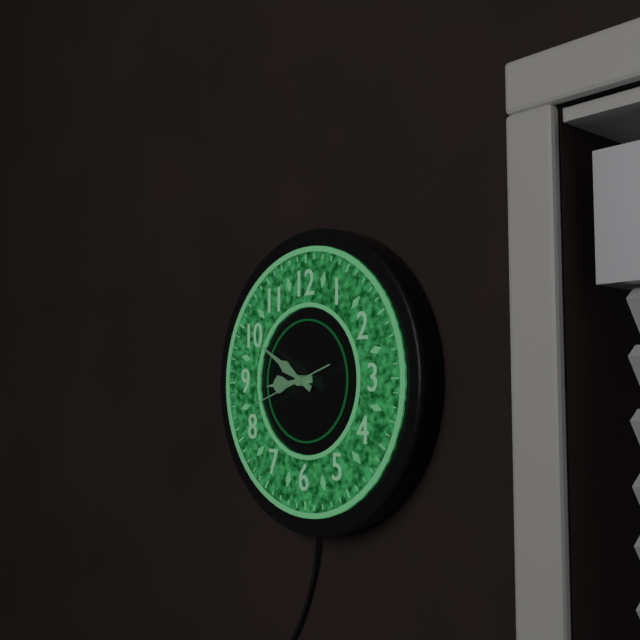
8:50:42
